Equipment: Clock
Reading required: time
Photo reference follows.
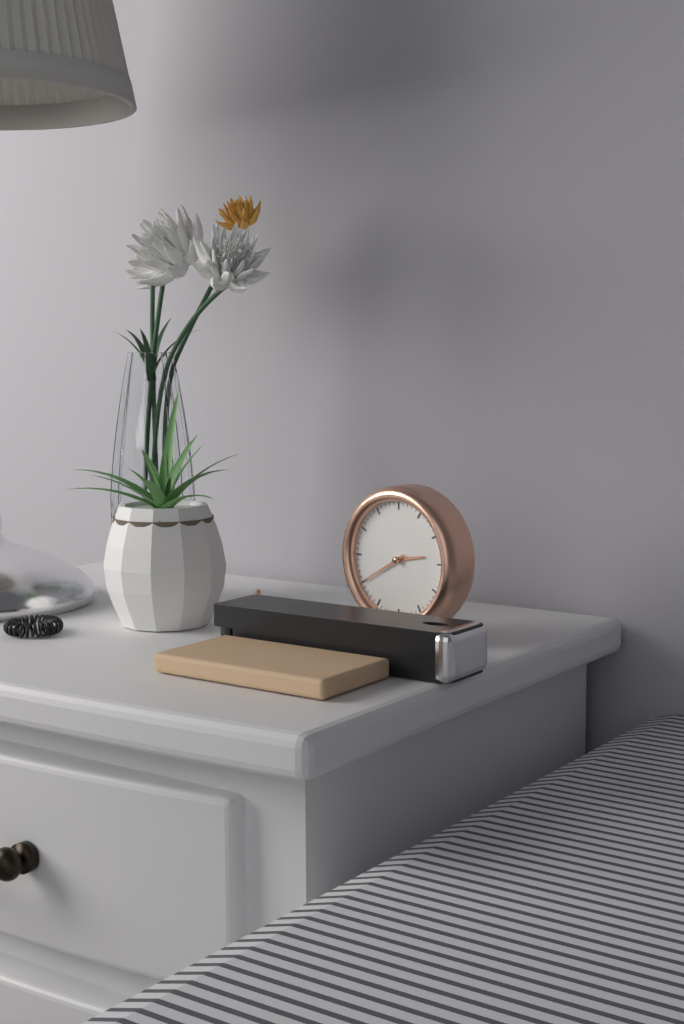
2:40
